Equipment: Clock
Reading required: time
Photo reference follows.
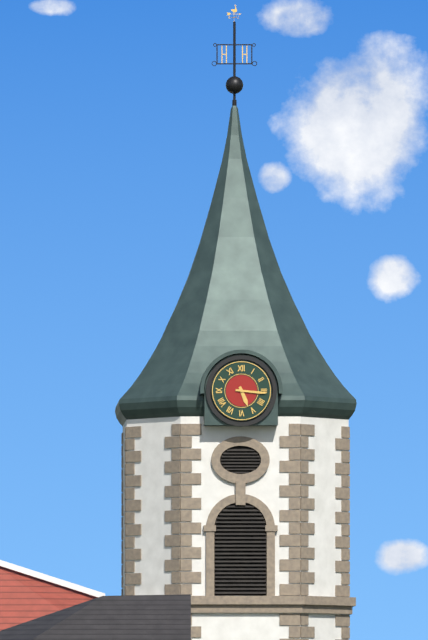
5:16
